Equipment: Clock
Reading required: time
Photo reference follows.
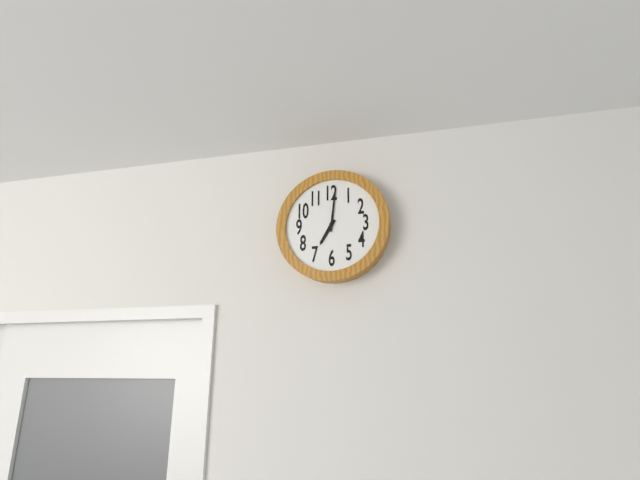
7:01
